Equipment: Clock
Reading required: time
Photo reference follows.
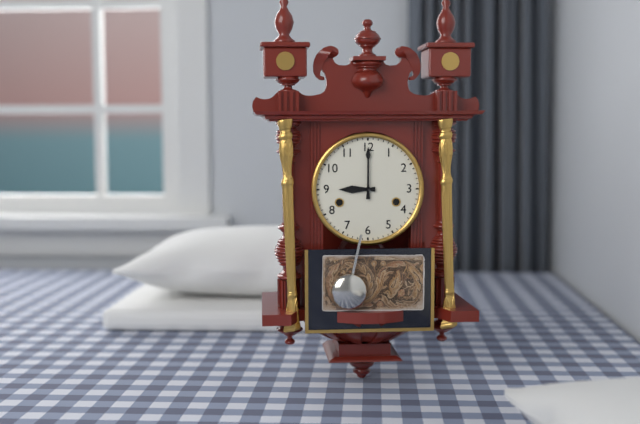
9:00
